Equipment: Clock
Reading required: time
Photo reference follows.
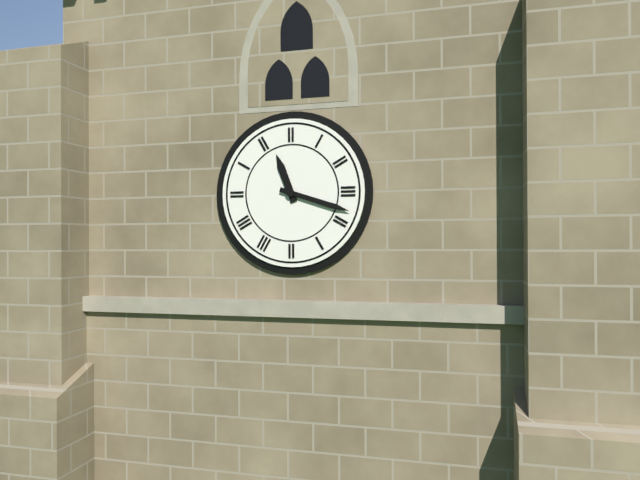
11:18
